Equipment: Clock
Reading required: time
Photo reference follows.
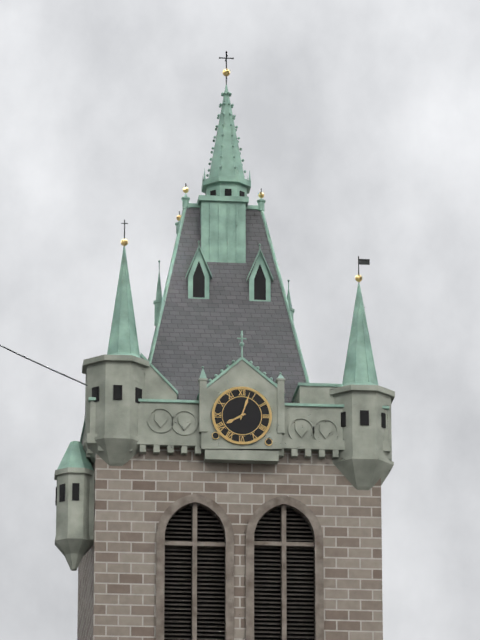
8:03
